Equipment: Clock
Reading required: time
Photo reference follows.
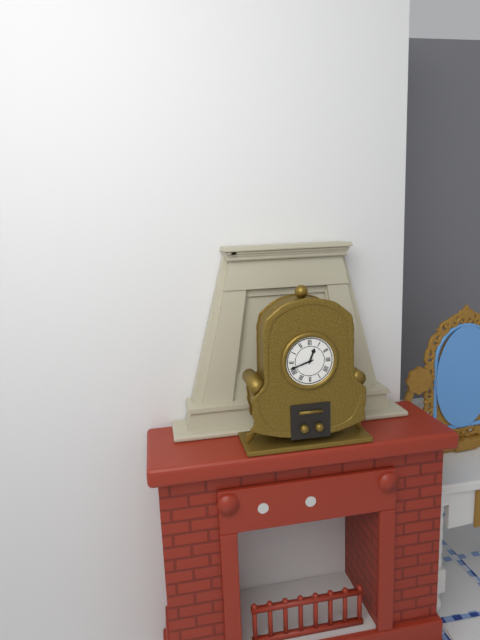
12:42
